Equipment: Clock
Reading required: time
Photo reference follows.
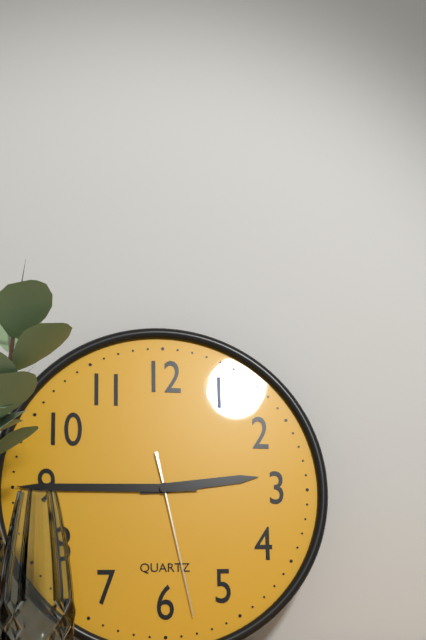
2:45:28
